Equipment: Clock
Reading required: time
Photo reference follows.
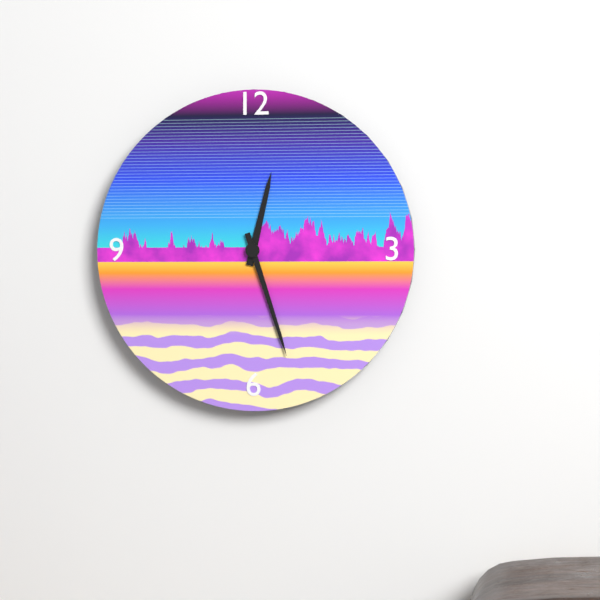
12:27
